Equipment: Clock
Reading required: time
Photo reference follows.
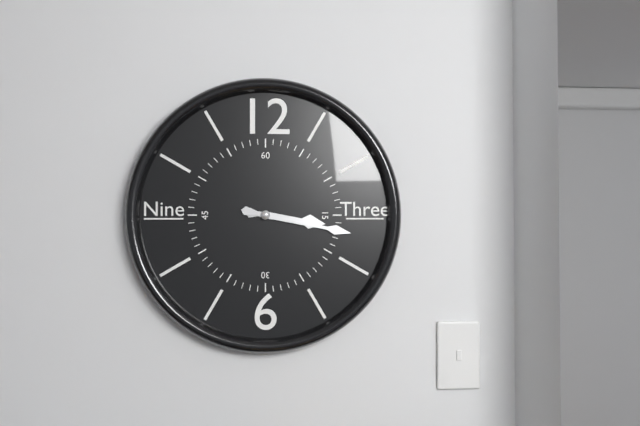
3:17
